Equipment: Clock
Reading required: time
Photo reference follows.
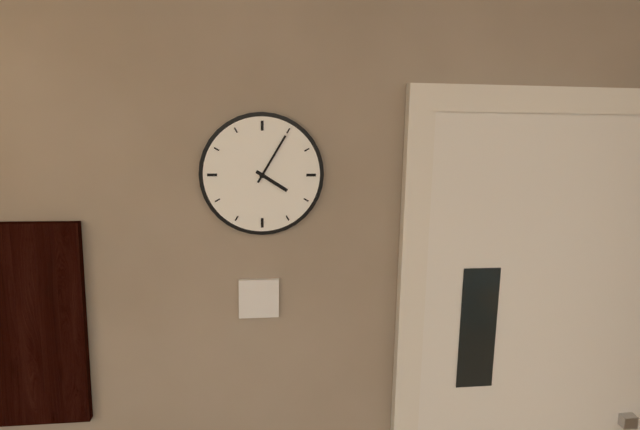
4:05
